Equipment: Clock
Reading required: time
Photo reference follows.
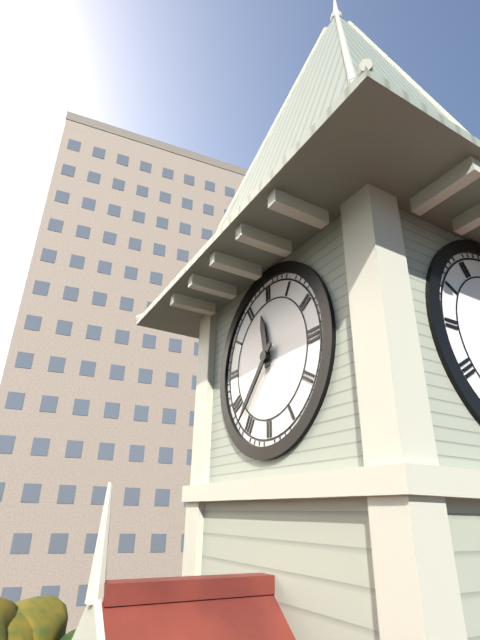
11:37
